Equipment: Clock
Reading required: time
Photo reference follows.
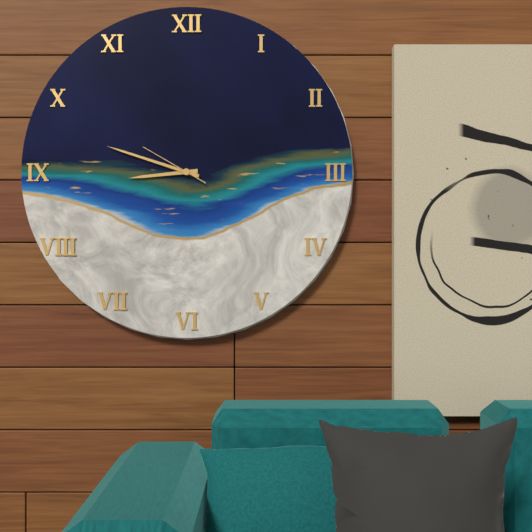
8:48:50
